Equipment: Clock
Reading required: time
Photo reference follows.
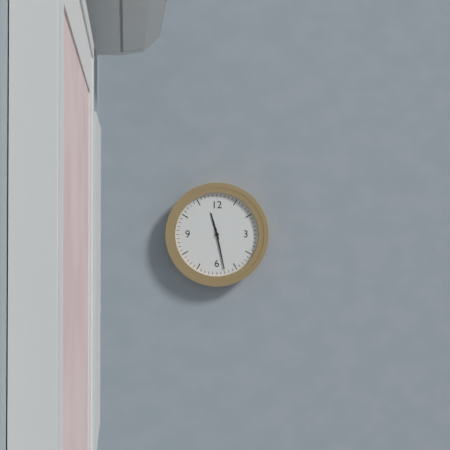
11:28
